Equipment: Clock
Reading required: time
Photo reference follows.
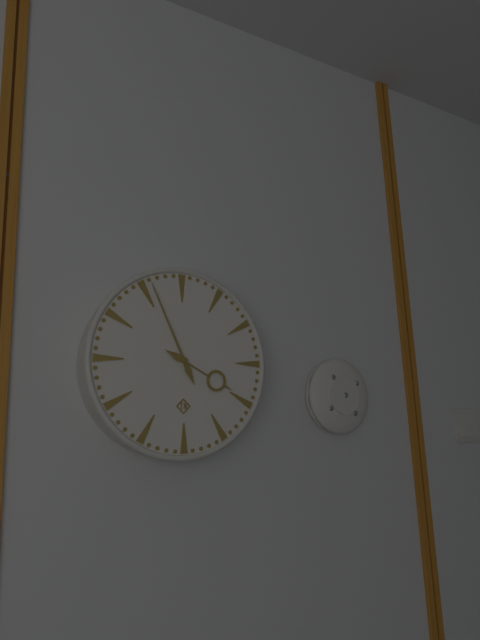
3:56
